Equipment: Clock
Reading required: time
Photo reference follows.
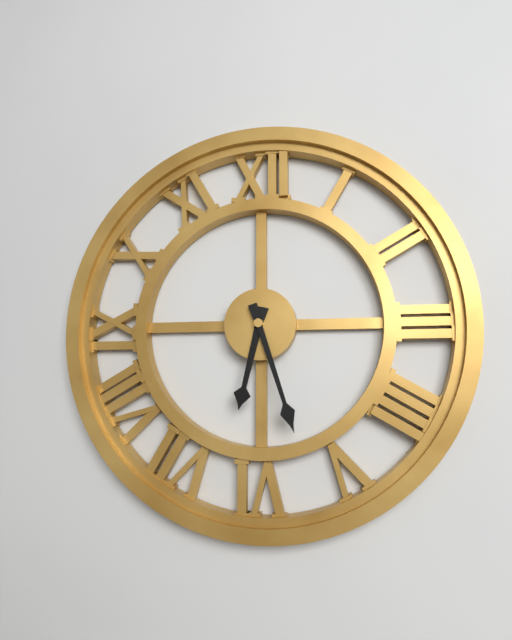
6:27
